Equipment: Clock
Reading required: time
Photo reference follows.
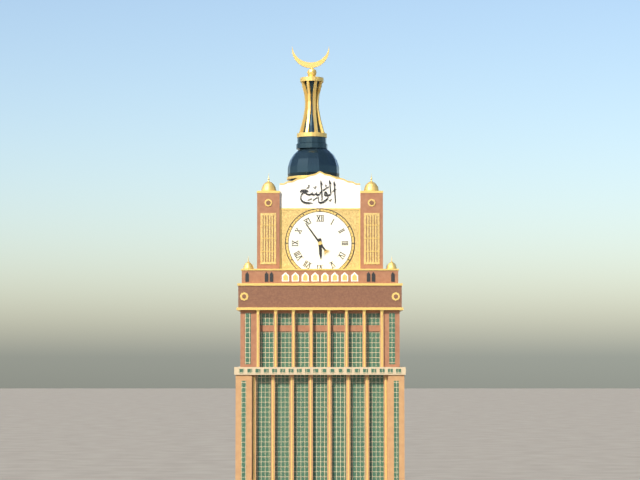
5:54
